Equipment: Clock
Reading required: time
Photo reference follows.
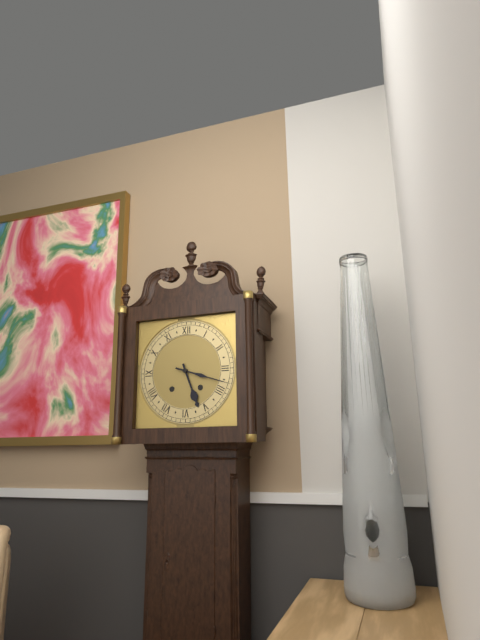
5:18
